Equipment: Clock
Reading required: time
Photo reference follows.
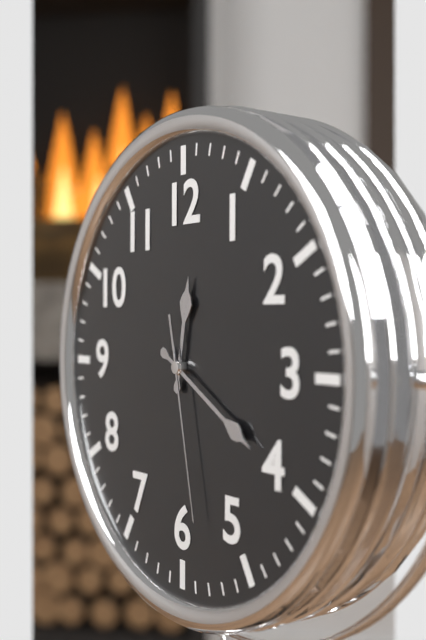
12:20:28
